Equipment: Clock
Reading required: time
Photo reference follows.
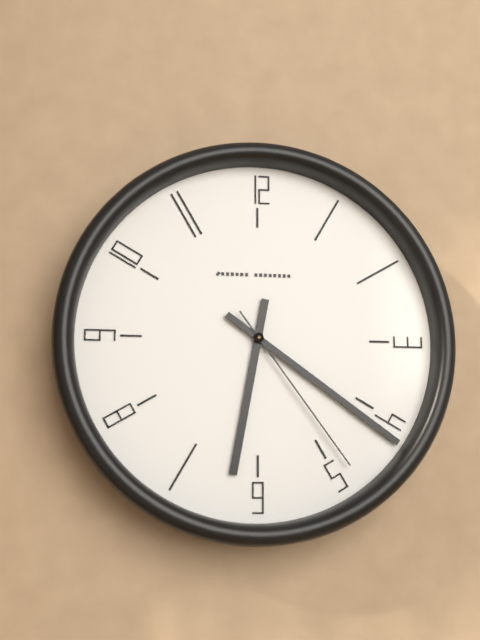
6:21:24
